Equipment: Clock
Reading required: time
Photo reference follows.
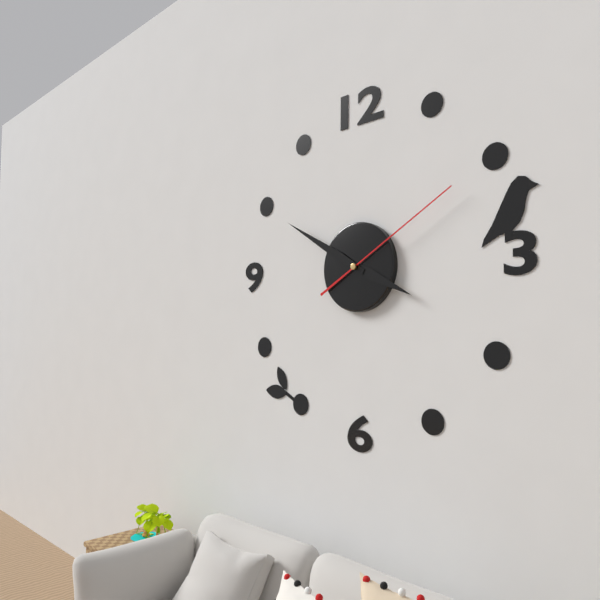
3:50:10
